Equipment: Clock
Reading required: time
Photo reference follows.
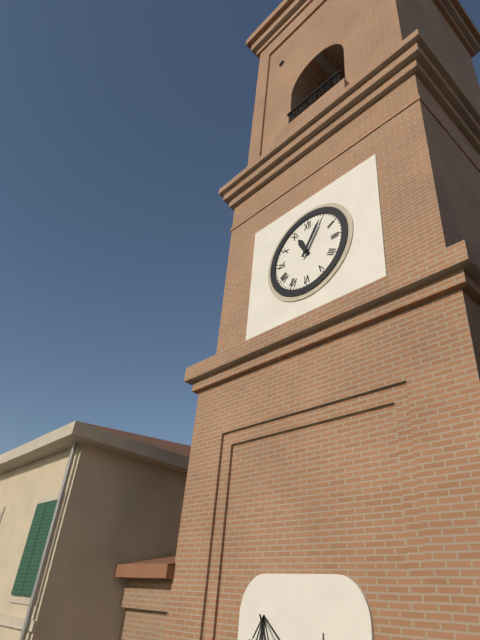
11:05
